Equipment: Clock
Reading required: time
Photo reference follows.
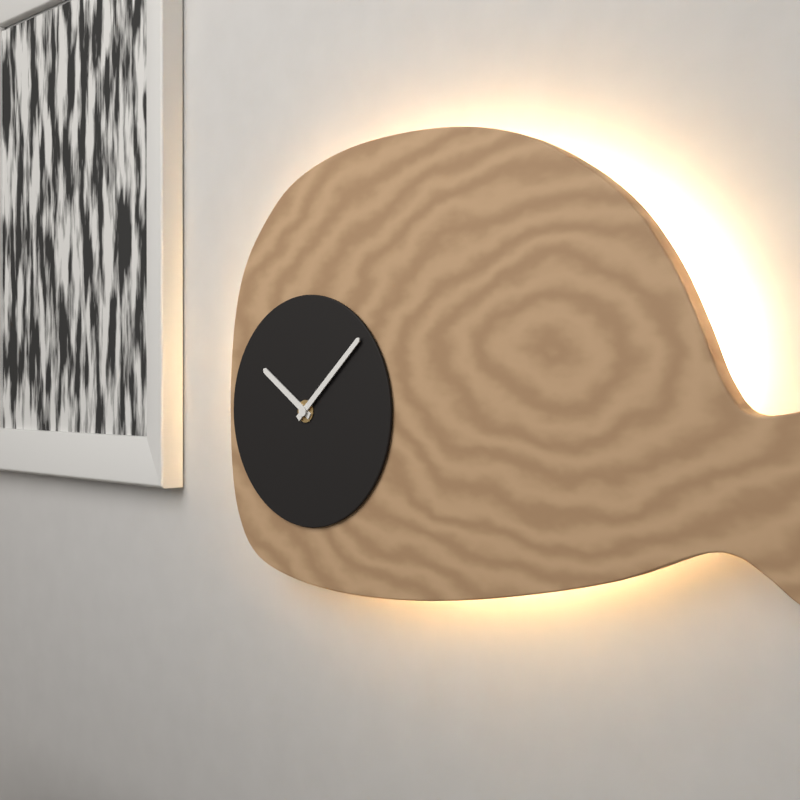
10:08
